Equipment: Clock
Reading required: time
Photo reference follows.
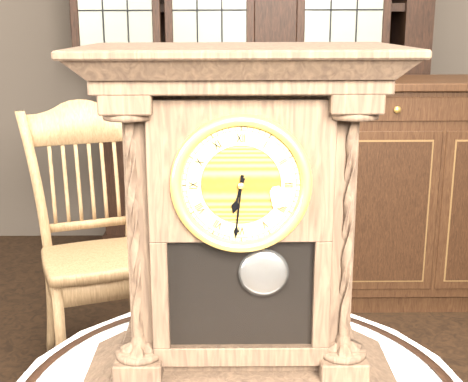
6:31
